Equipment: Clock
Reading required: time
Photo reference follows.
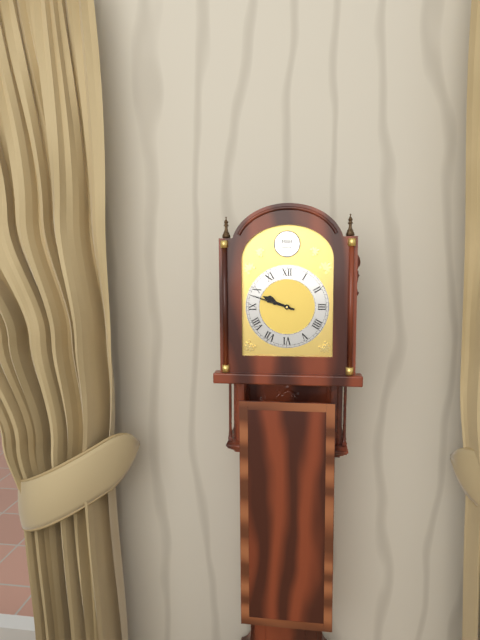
9:48
